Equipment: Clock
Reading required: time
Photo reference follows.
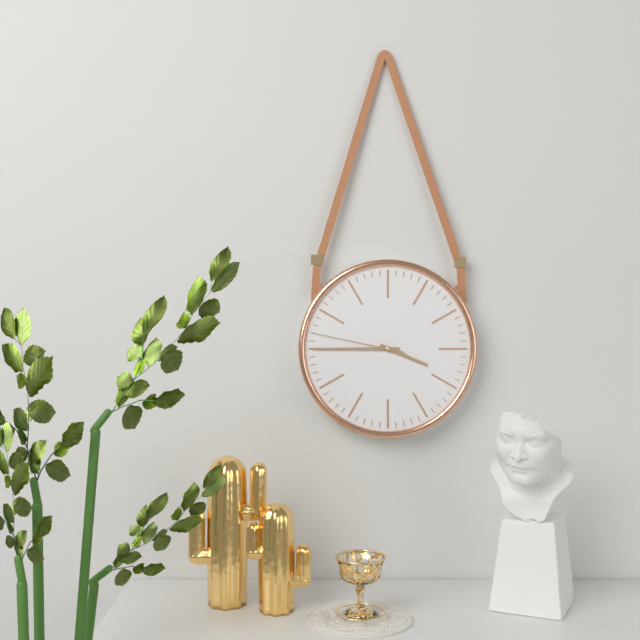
3:45:47
